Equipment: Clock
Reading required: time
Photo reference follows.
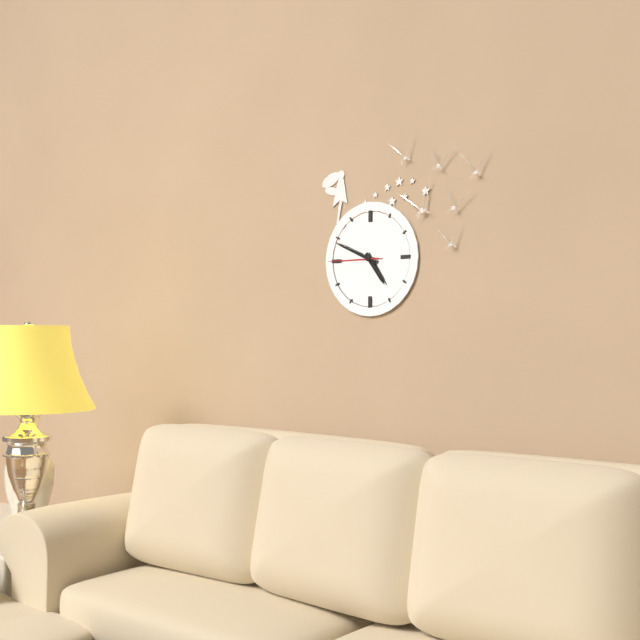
4:49
